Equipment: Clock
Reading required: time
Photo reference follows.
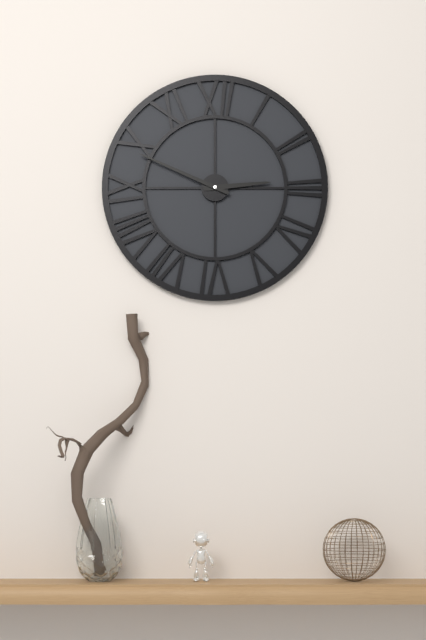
2:49
